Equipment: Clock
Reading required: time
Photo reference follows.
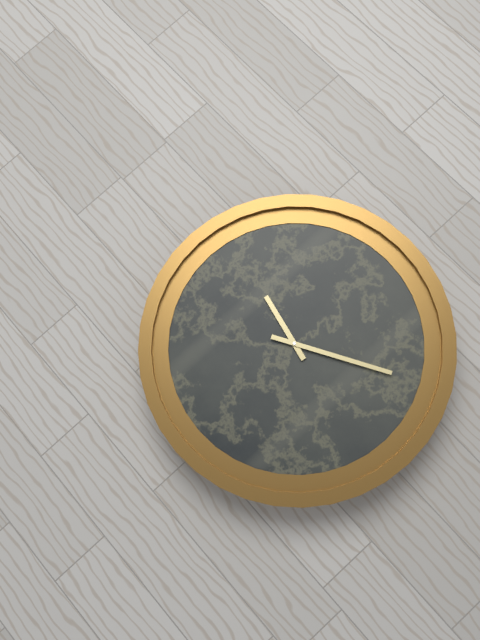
12:25
